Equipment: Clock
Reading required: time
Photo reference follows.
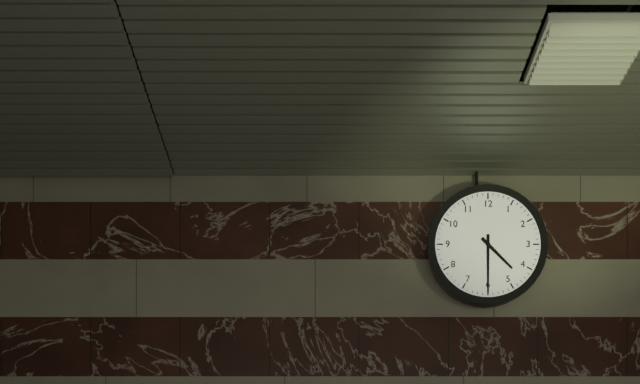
4:30
